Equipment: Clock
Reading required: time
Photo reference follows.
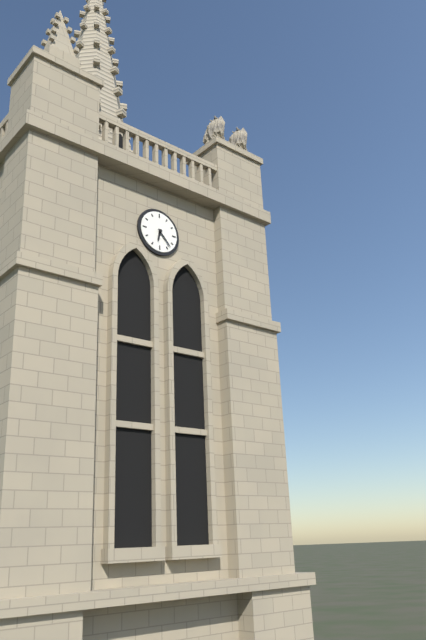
6:23
